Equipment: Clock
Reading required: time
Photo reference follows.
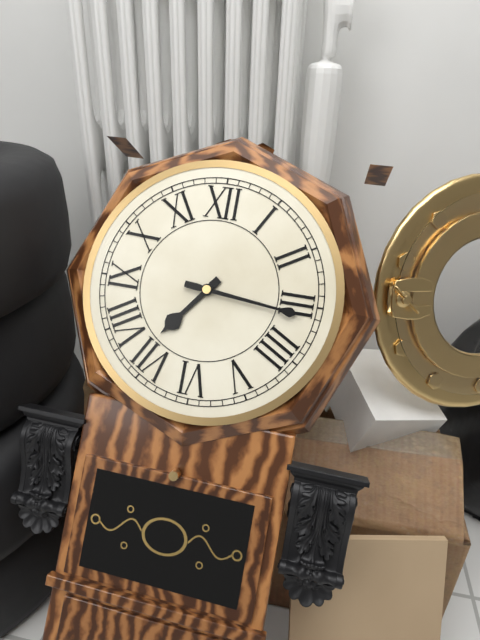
7:16
